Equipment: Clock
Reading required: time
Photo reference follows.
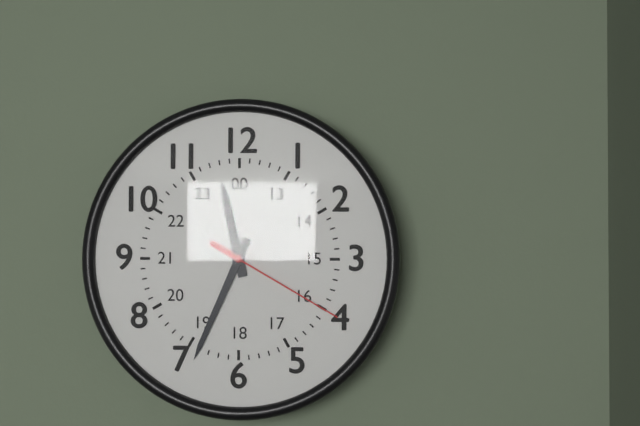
11:34:20
